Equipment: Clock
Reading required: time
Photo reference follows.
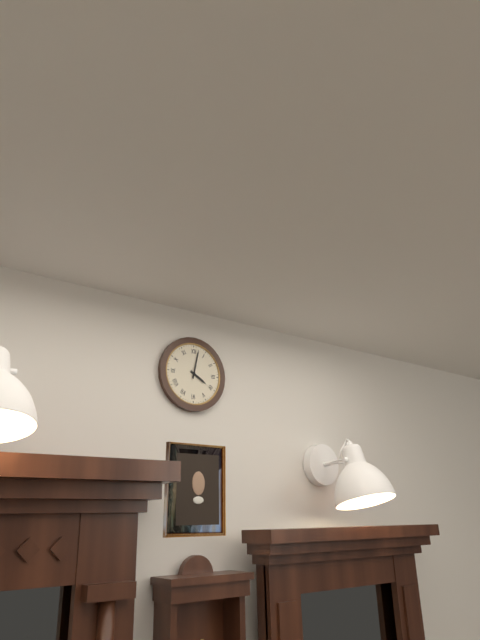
4:02
